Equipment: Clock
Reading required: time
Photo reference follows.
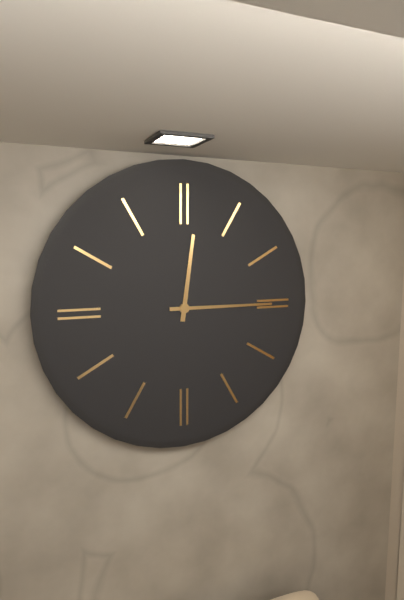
12:15
